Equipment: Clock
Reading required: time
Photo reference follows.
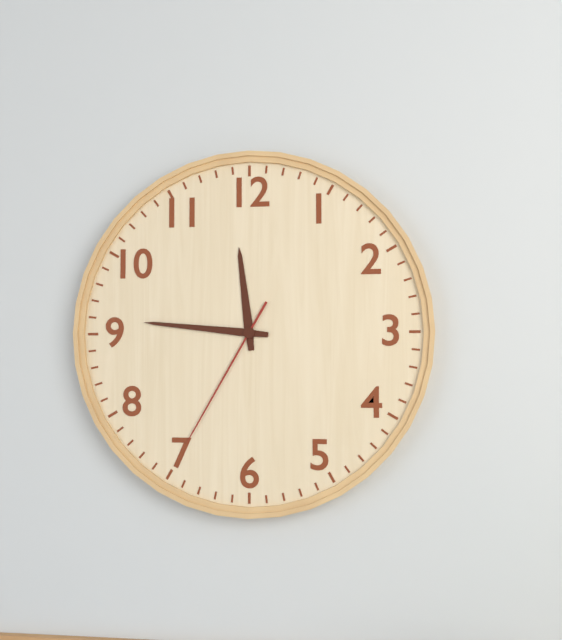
11:46:35
